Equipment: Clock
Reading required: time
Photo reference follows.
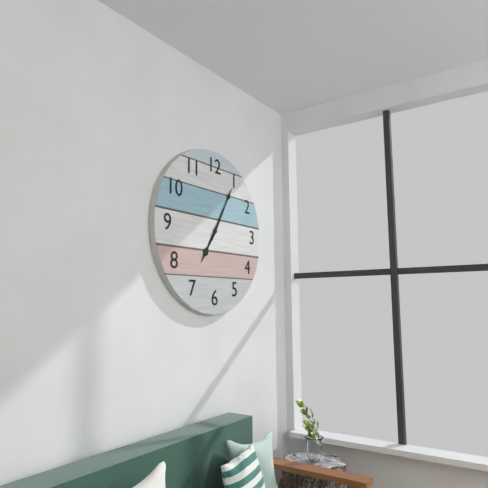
7:05
